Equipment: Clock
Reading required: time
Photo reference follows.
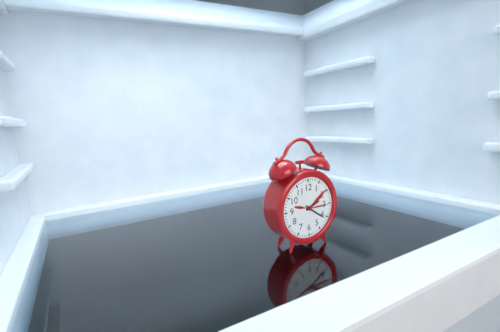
2:21
